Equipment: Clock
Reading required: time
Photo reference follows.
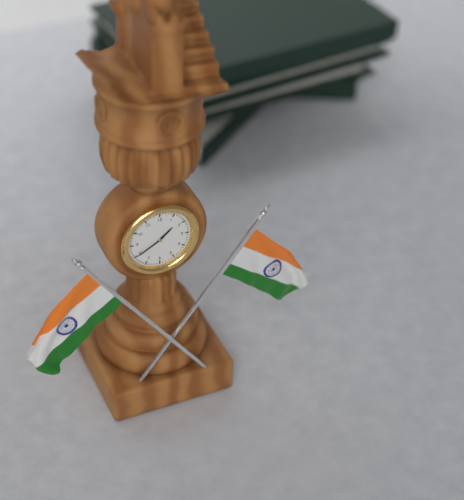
1:40
